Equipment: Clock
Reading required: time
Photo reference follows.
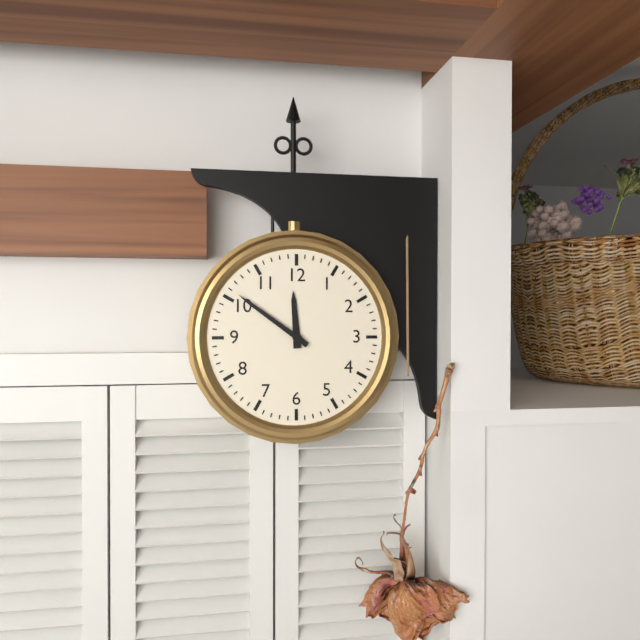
11:51
